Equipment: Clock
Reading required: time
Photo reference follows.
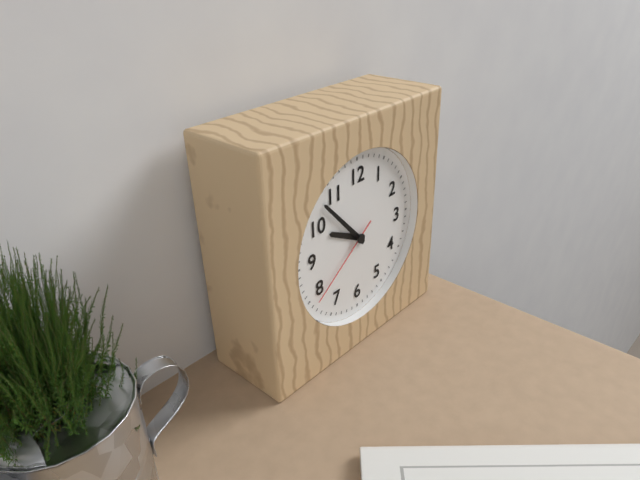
9:53:39
